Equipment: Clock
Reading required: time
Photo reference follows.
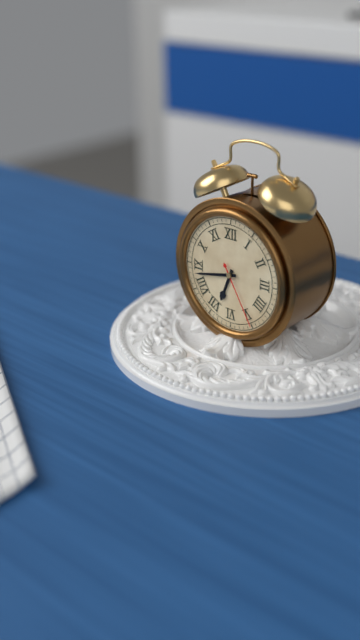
6:43:25
